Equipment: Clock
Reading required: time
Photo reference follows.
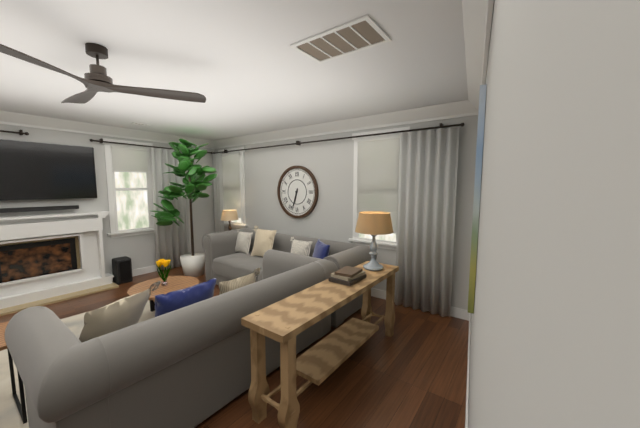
6:33
